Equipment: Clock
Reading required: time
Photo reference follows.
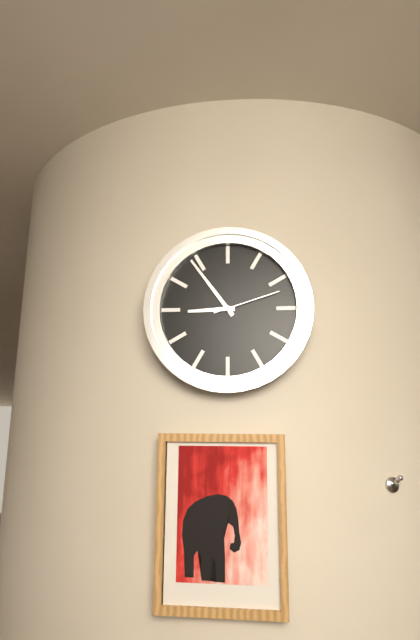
8:54:12
